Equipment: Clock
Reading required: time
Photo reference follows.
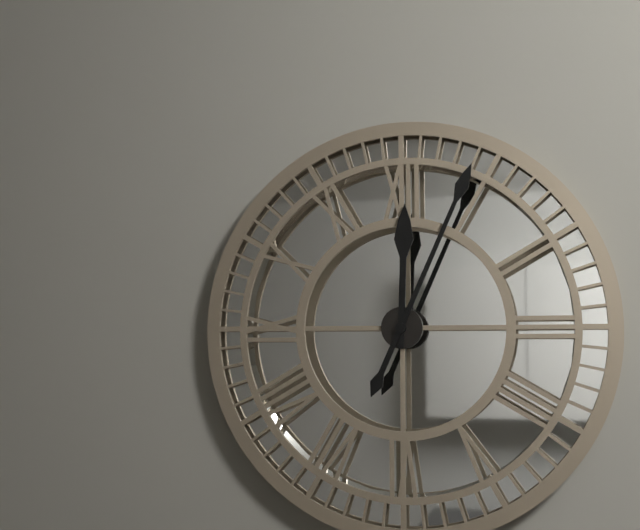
12:04
